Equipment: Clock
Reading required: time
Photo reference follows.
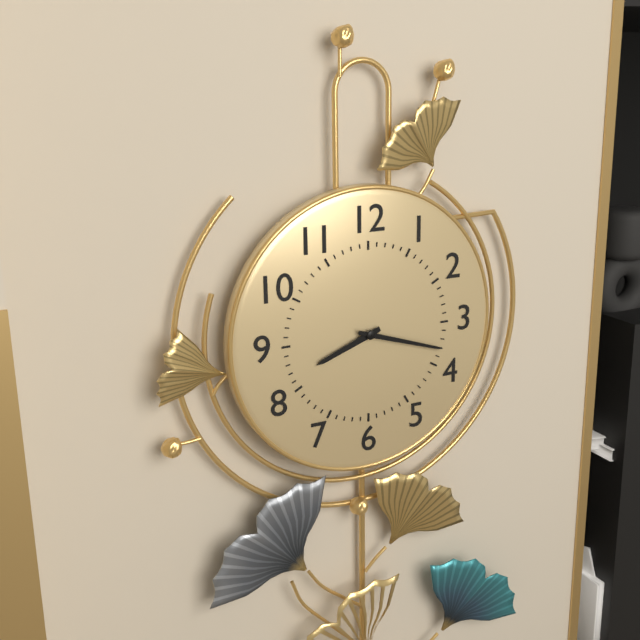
8:18
